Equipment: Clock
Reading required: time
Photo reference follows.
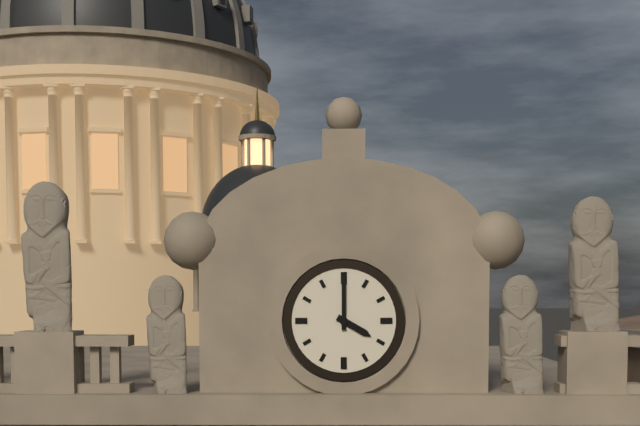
4:00
